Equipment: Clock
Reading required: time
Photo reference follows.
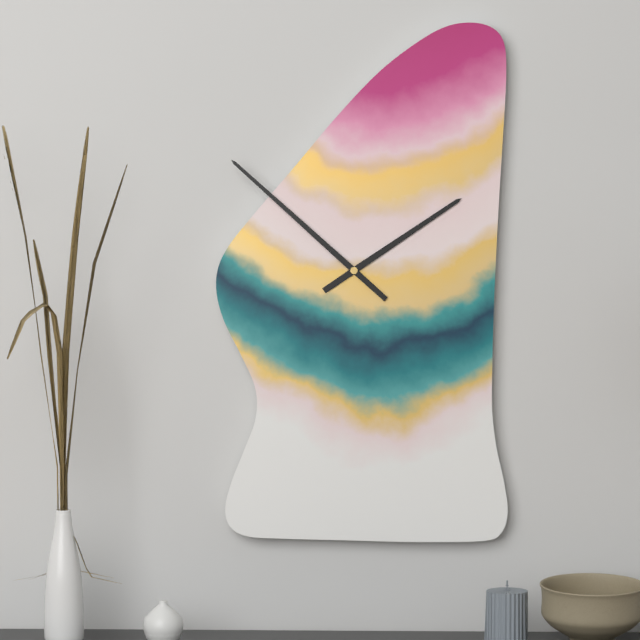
1:52
